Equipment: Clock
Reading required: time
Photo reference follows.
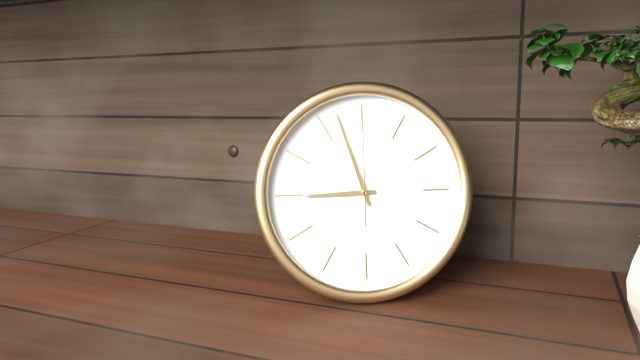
8:57:00
